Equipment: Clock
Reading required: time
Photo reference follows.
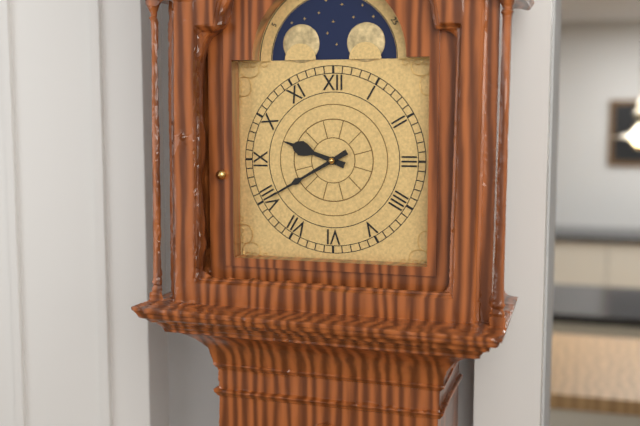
9:40
